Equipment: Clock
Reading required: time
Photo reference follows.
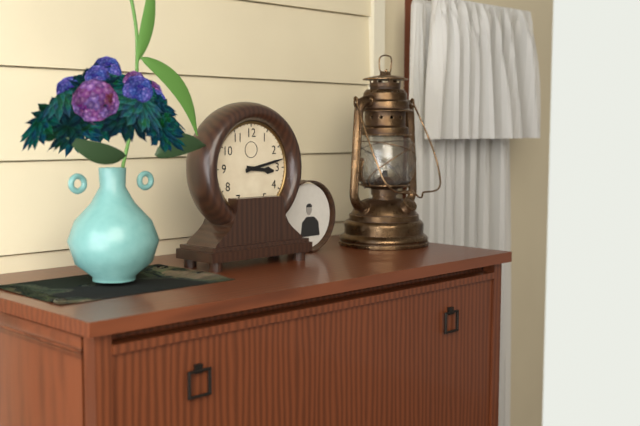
3:13
